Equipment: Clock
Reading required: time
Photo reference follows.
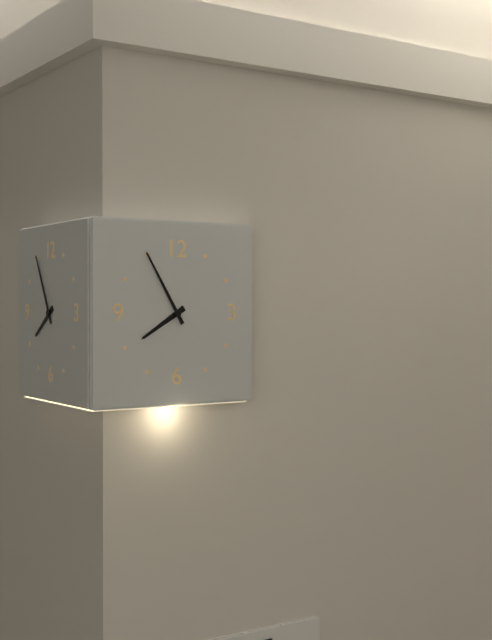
7:55
